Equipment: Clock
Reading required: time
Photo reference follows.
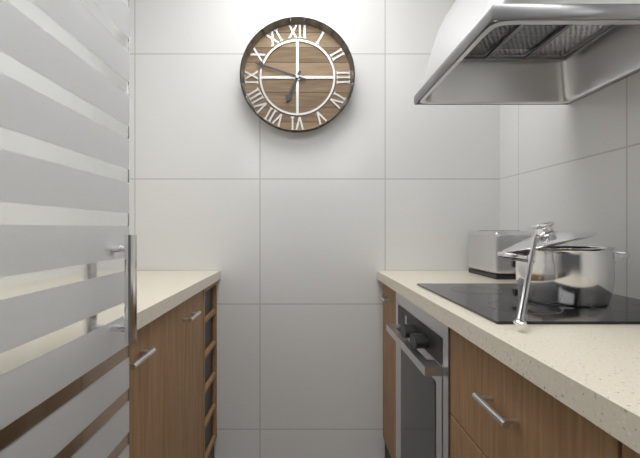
6:48
